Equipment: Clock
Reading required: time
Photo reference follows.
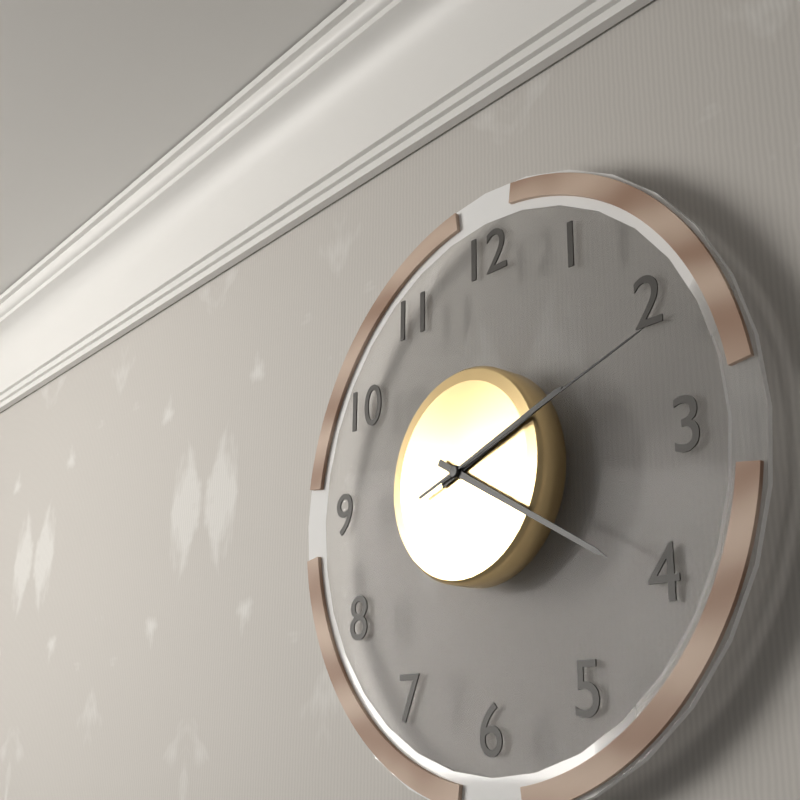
2:20:12
